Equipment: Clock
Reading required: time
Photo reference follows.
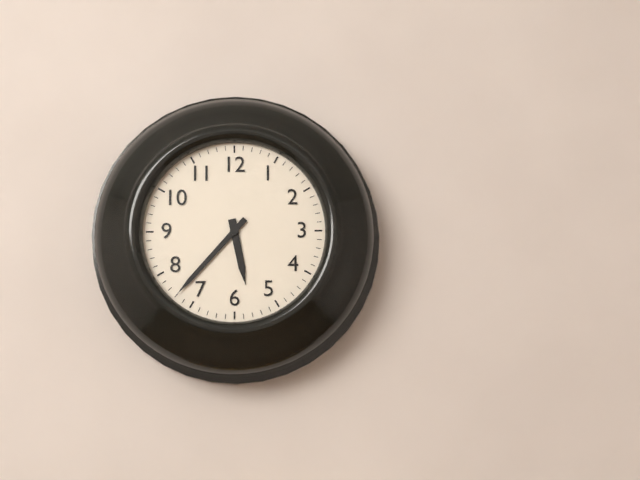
5:37
